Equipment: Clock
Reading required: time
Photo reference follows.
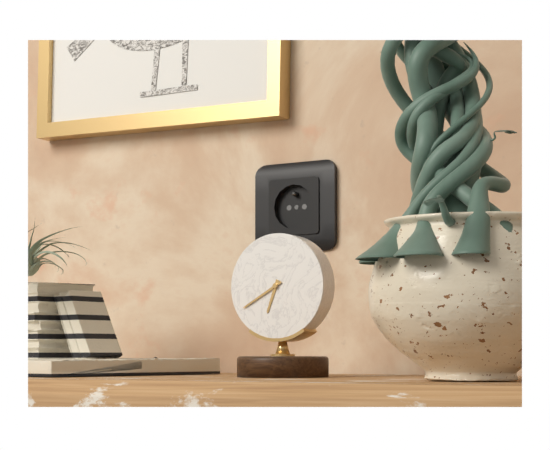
6:40
